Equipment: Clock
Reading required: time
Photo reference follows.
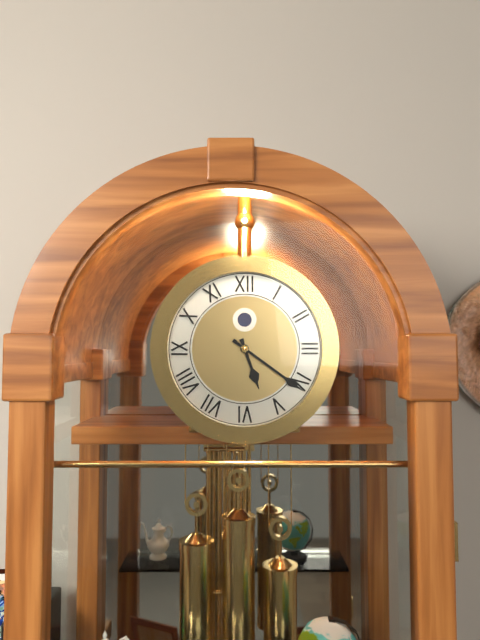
5:21
